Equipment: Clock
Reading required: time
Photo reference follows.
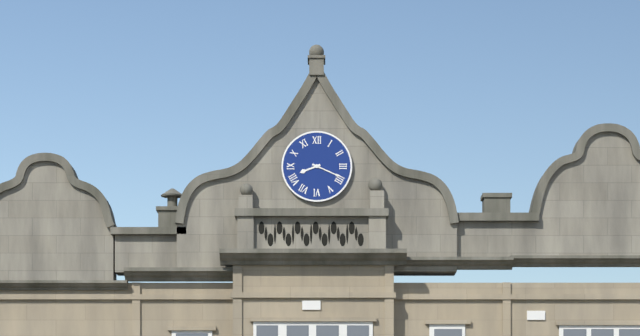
8:19
